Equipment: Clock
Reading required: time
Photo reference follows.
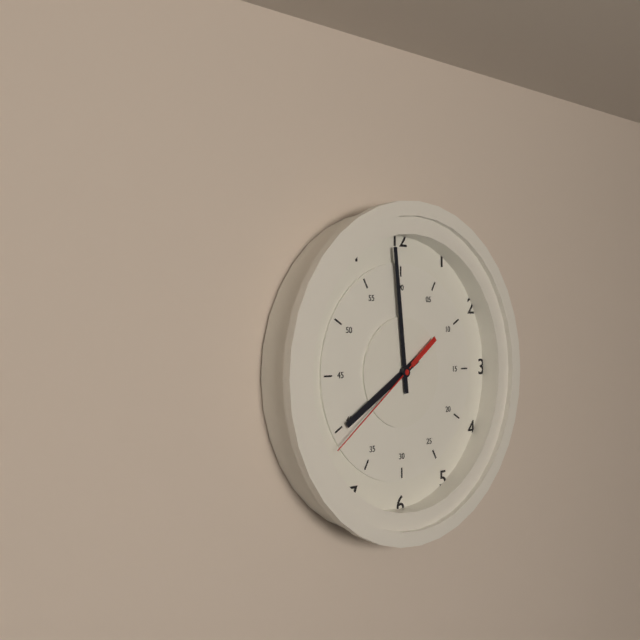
7:59:39
